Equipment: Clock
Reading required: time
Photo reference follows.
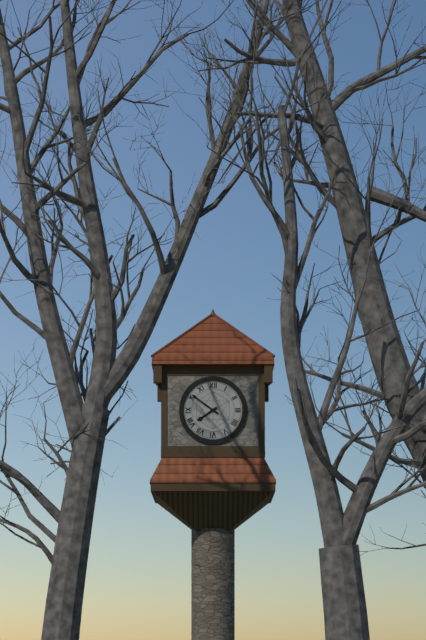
7:51
